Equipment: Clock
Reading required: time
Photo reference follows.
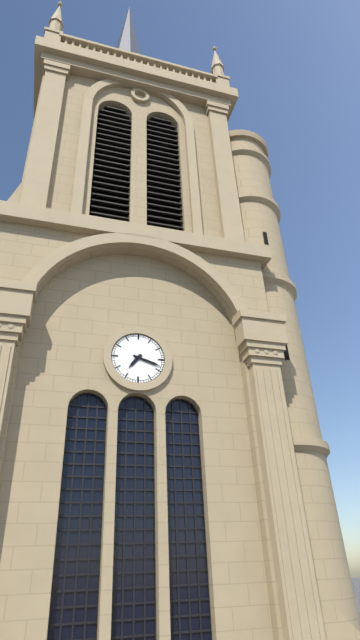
7:18
